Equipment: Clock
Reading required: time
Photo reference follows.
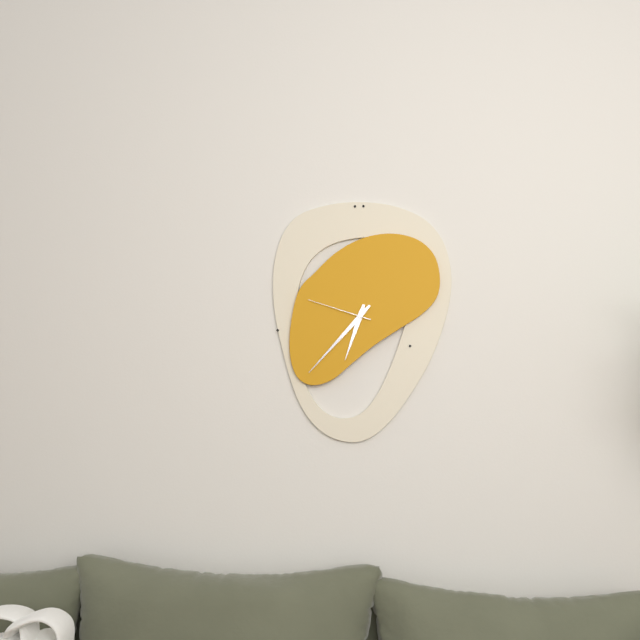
6:37:48
